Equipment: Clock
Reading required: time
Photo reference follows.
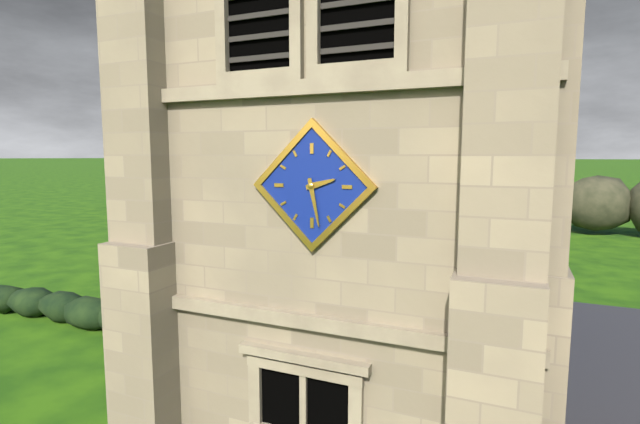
2:28
